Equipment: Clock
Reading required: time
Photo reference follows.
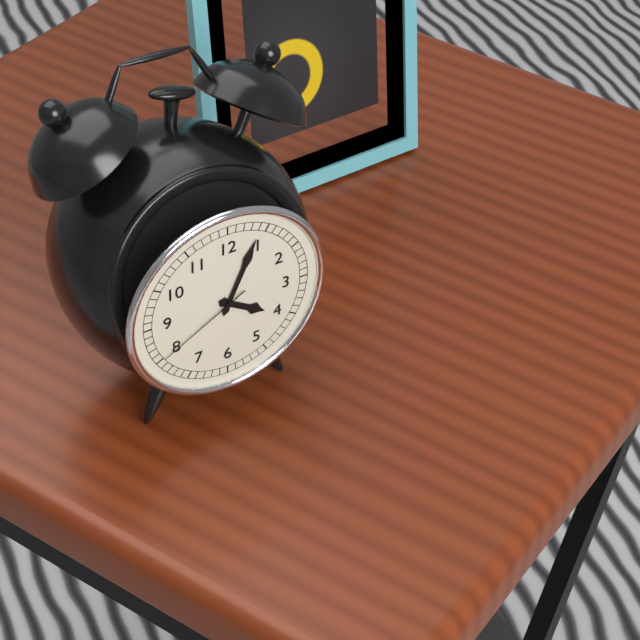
4:04:40
